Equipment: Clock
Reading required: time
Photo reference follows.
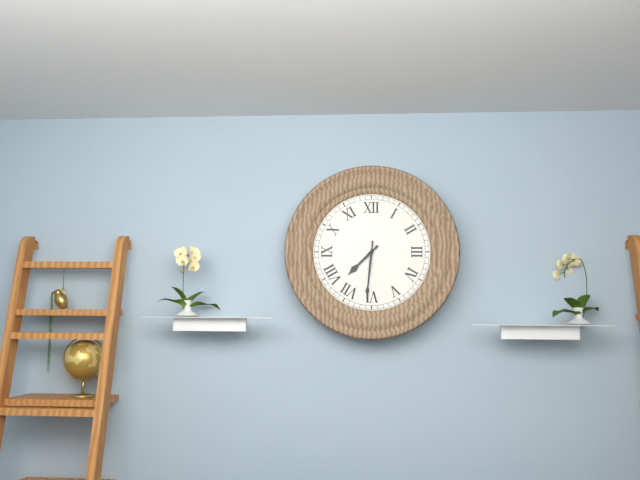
7:31
